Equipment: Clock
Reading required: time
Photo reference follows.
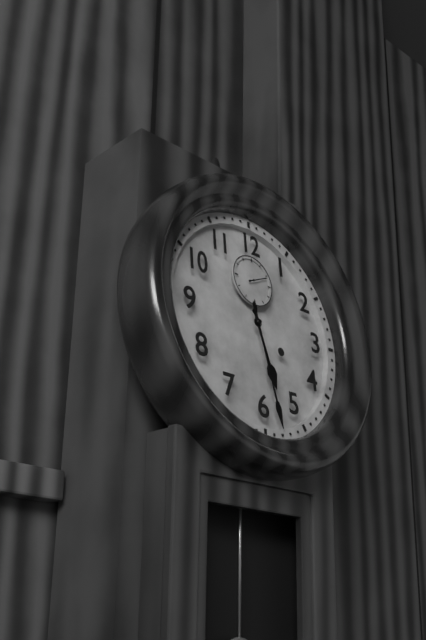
5:28
